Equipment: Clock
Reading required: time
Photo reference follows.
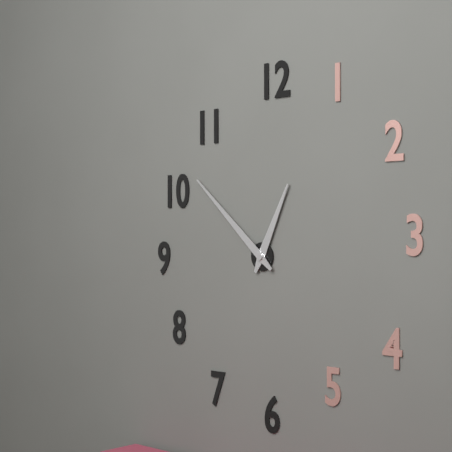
12:52
